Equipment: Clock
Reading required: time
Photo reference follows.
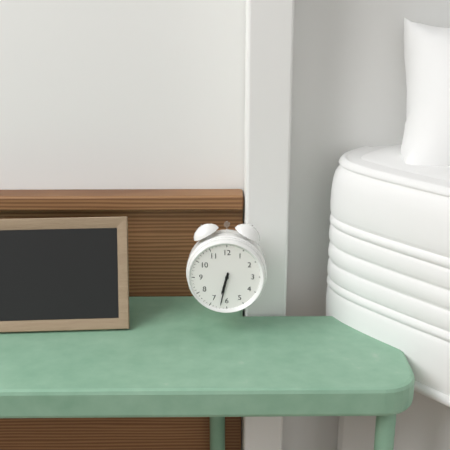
6:32
